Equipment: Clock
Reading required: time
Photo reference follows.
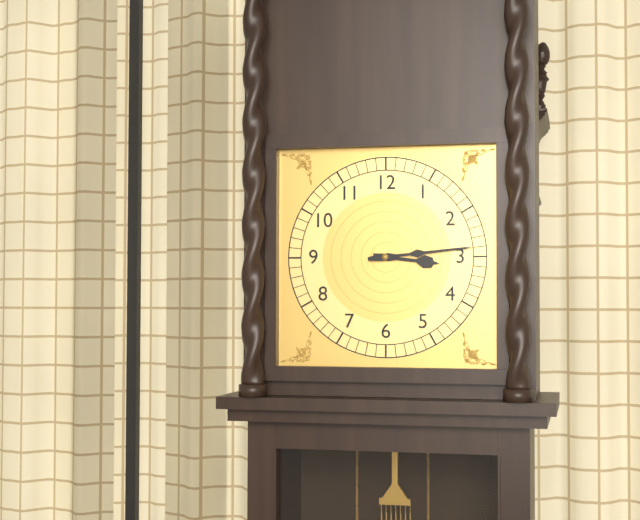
3:14
